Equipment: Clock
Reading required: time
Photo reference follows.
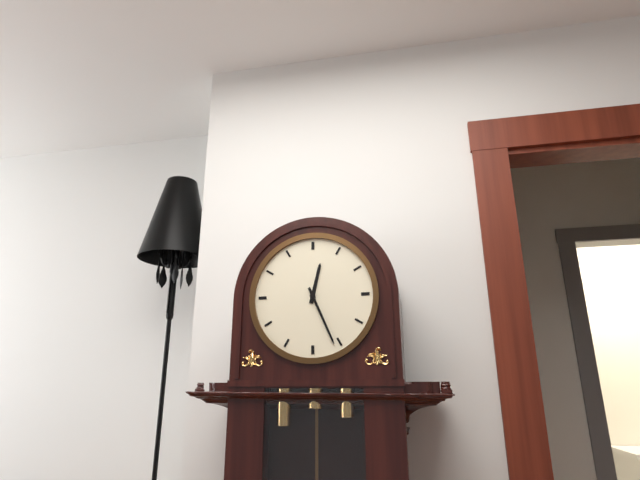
12:26
